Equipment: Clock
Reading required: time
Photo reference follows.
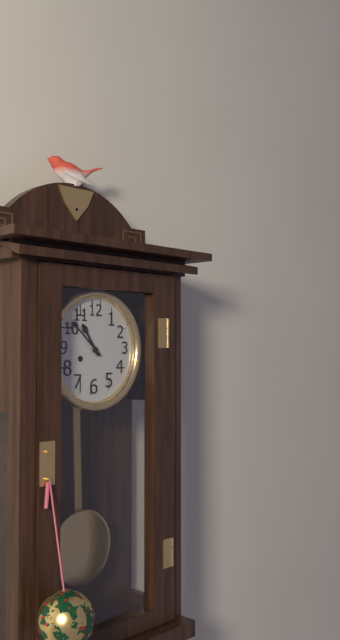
10:52
